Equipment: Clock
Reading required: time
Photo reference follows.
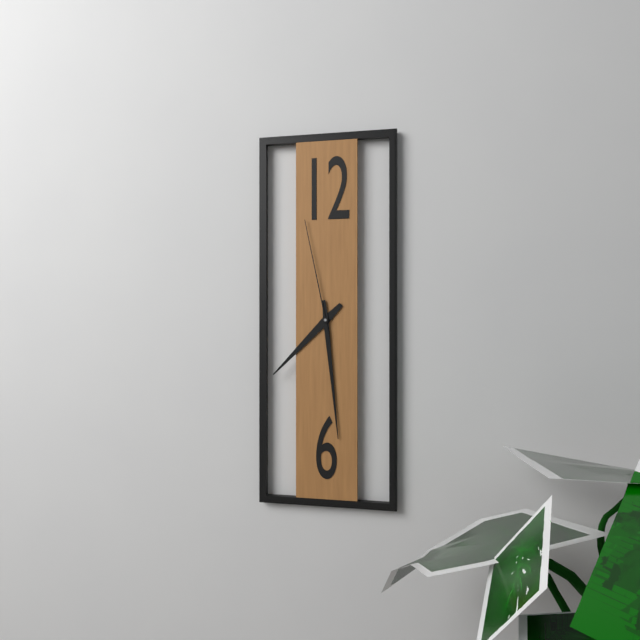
7:29:58
